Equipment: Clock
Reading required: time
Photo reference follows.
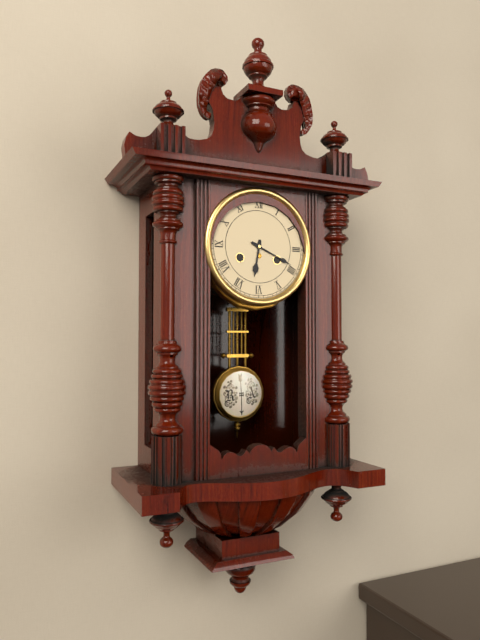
6:19
